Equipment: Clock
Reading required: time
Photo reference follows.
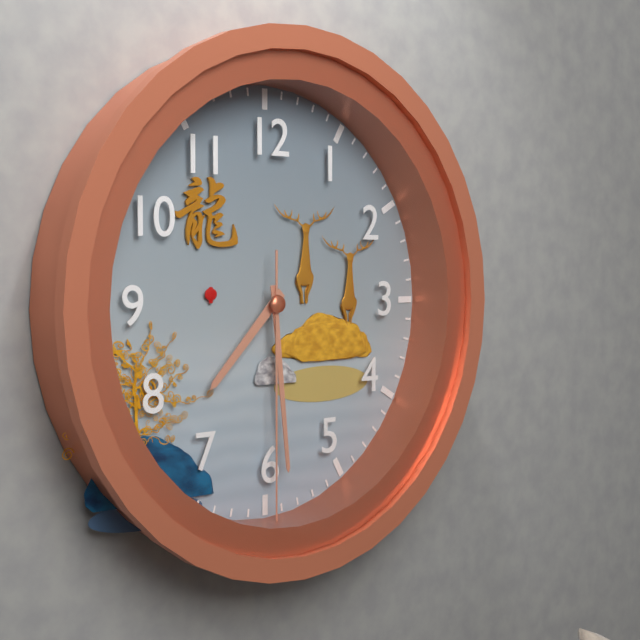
7:29:30
